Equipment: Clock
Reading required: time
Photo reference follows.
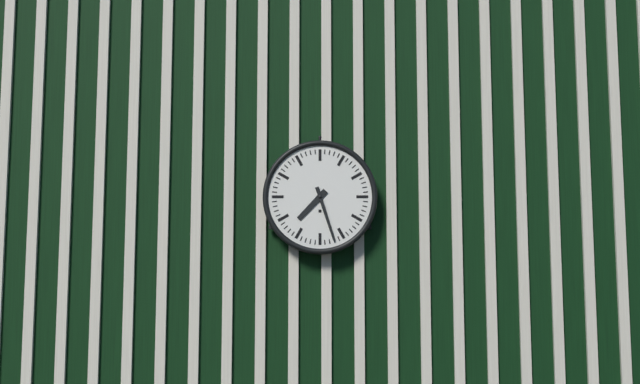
7:27
